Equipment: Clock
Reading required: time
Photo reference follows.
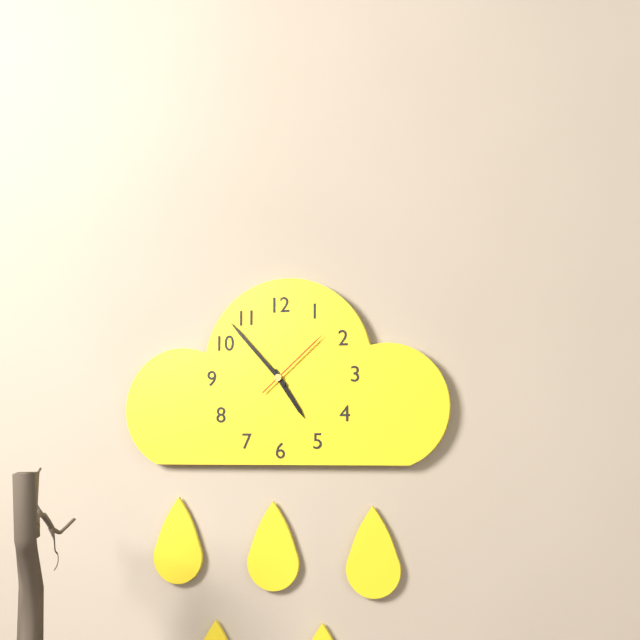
4:53:08
